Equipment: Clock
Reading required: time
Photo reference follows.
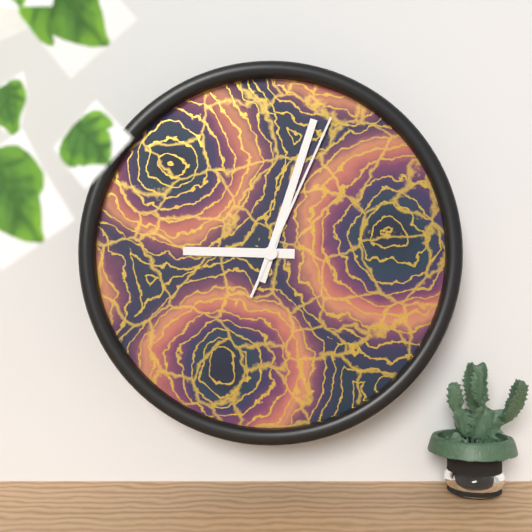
9:03:04
